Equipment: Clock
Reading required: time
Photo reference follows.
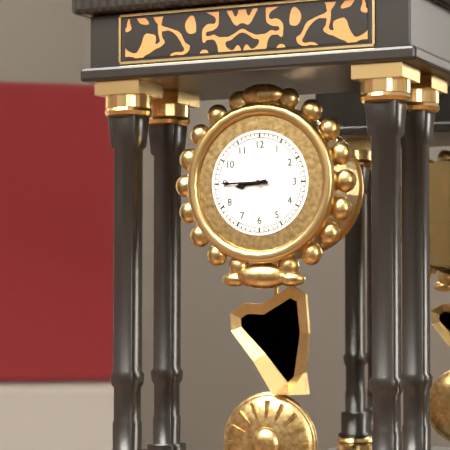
8:45
